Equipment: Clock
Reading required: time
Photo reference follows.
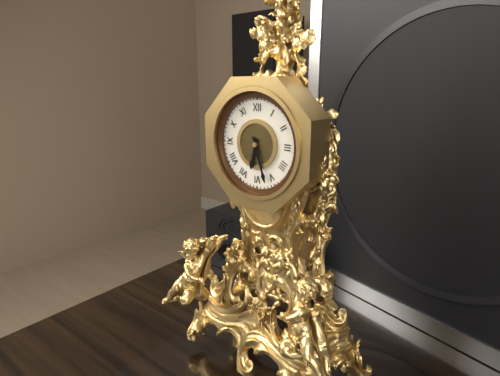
6:27
